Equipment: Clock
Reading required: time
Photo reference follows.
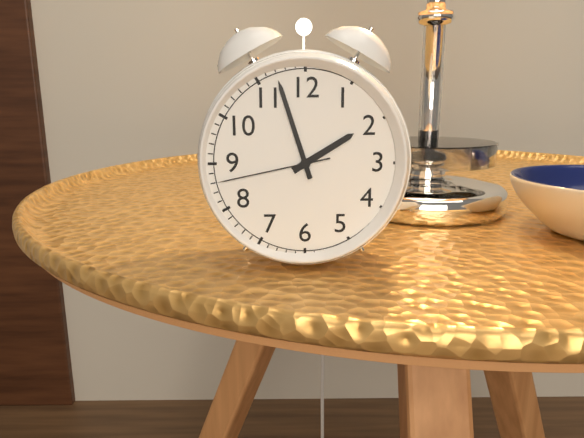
1:57:43
